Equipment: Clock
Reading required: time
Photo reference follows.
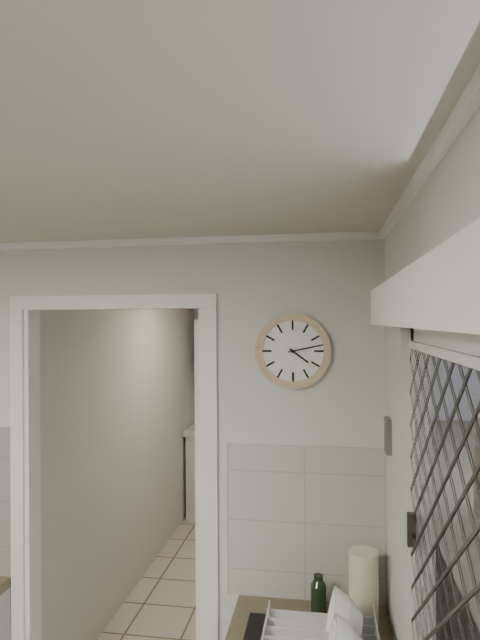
4:13
